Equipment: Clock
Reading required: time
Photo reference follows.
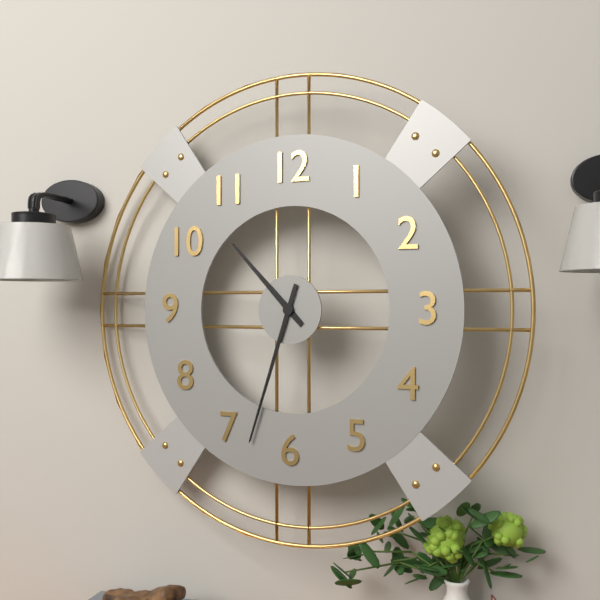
10:33
